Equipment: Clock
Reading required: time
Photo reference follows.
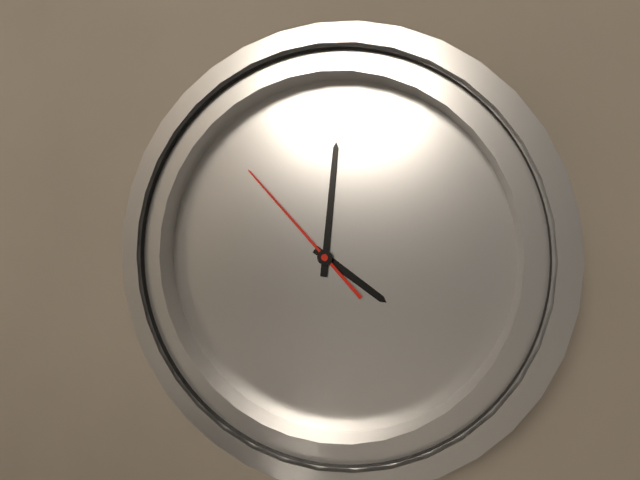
4:00:52
